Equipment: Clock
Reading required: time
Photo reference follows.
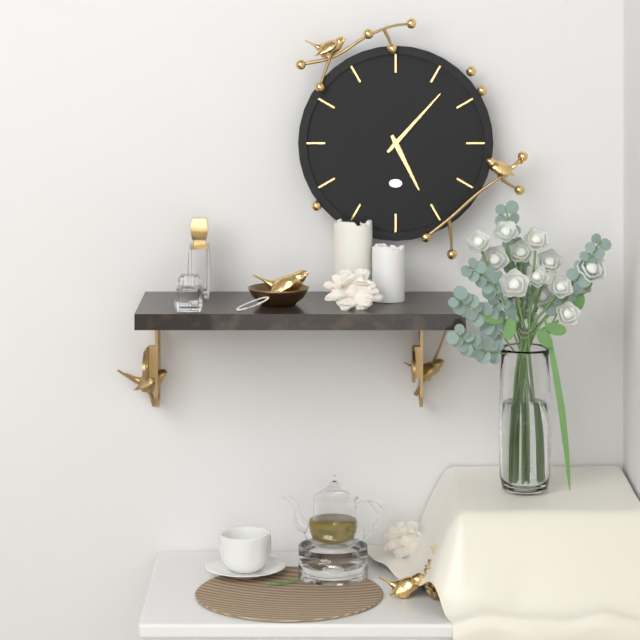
5:07
